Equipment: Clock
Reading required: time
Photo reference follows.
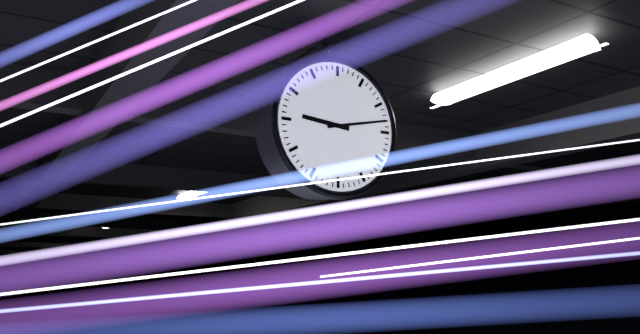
9:13
